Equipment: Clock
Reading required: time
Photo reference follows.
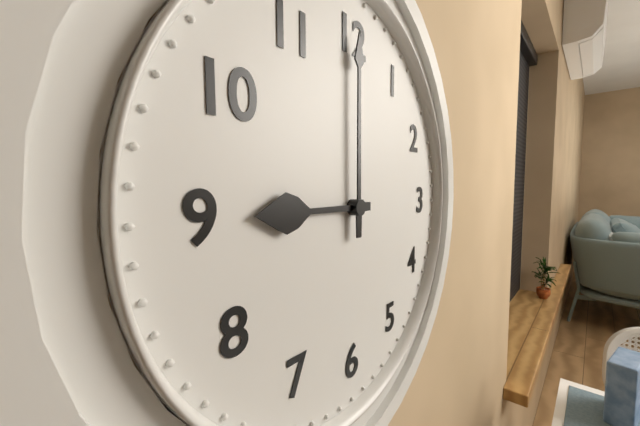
9:00
